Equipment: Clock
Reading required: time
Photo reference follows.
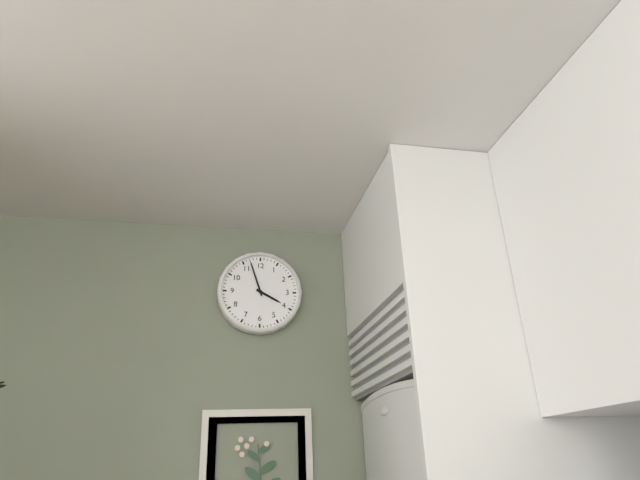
3:57
